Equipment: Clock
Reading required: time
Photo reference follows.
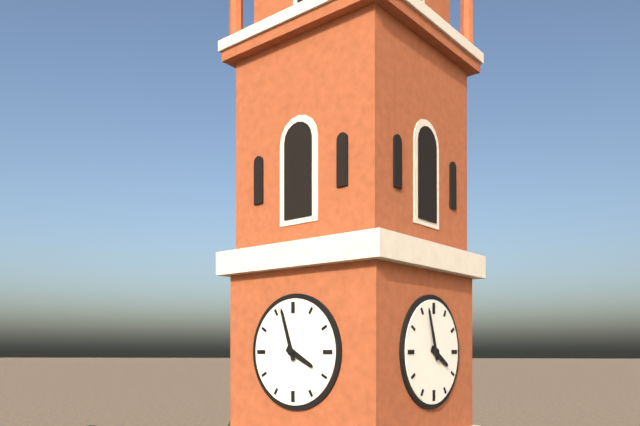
3:57
